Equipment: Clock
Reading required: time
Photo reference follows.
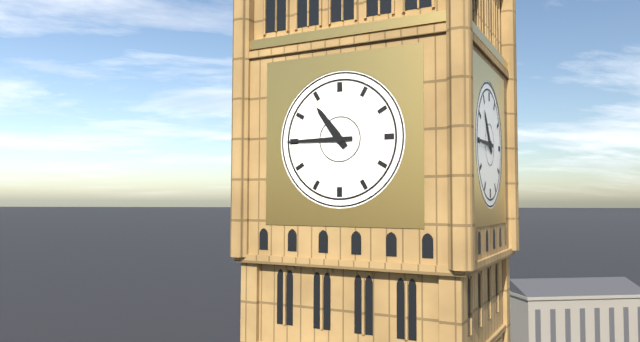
10:45
